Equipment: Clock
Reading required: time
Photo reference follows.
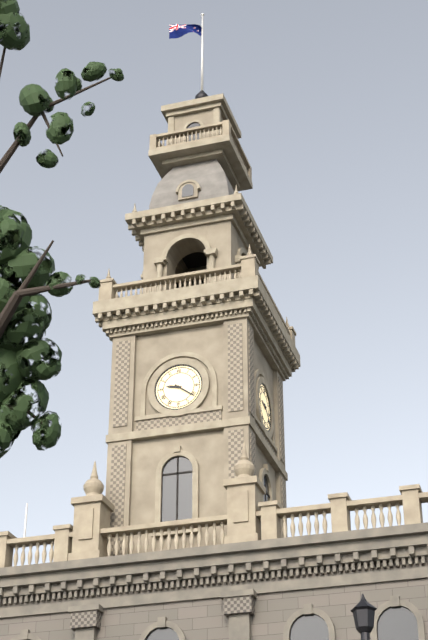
9:21
